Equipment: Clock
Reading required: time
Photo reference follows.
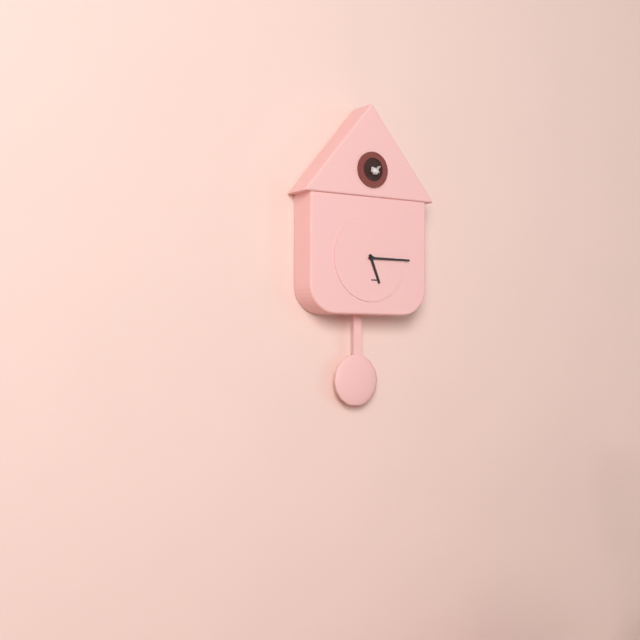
5:15
